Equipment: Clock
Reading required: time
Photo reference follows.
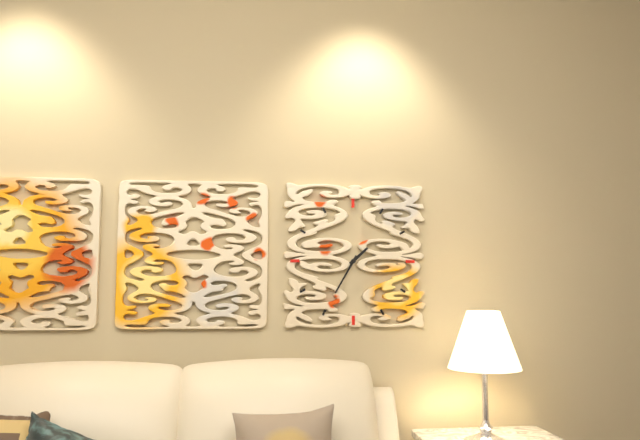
1:35
